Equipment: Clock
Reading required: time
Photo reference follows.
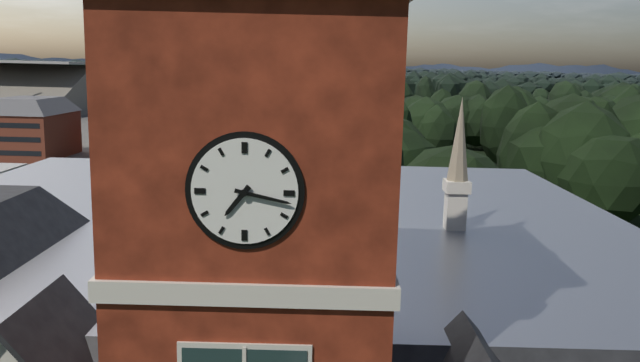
7:17
